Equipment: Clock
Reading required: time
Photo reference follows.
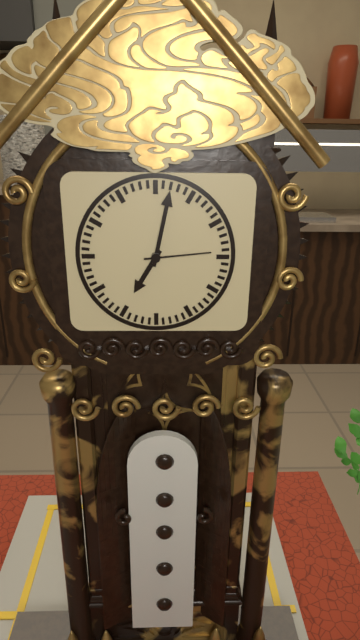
7:02:14
